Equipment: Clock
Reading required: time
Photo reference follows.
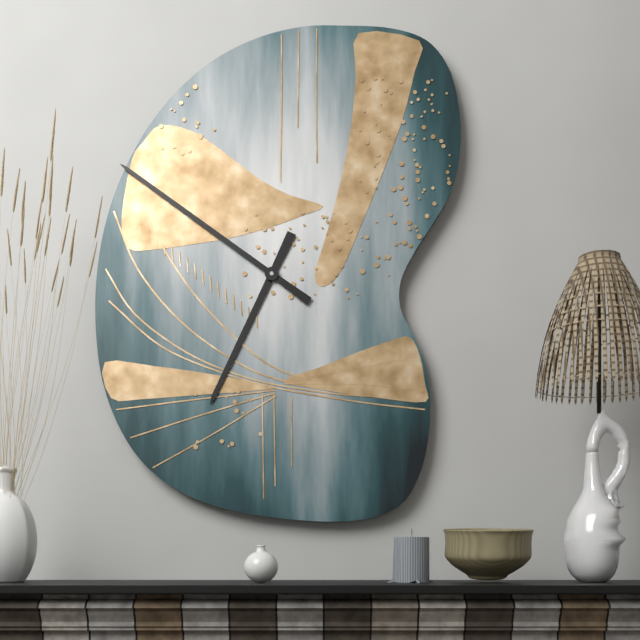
6:51
